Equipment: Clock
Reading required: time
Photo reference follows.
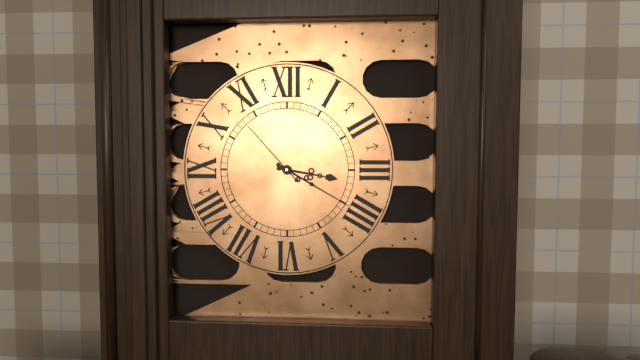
3:20:53
